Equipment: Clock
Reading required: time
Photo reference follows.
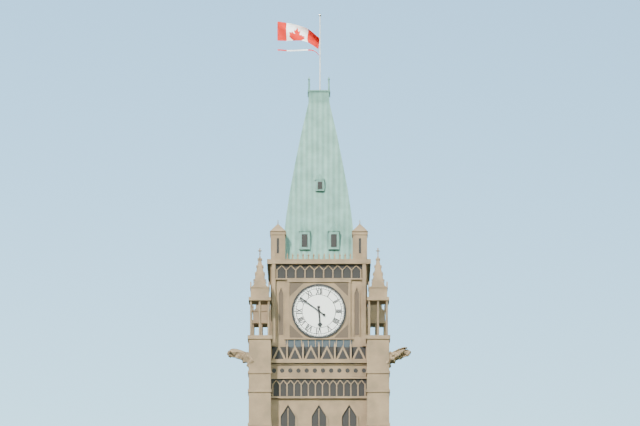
5:51
